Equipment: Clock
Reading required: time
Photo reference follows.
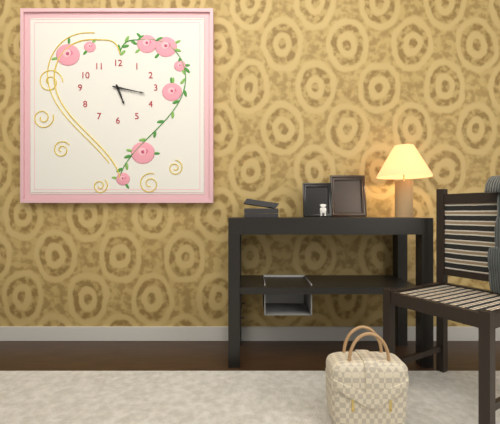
5:17
